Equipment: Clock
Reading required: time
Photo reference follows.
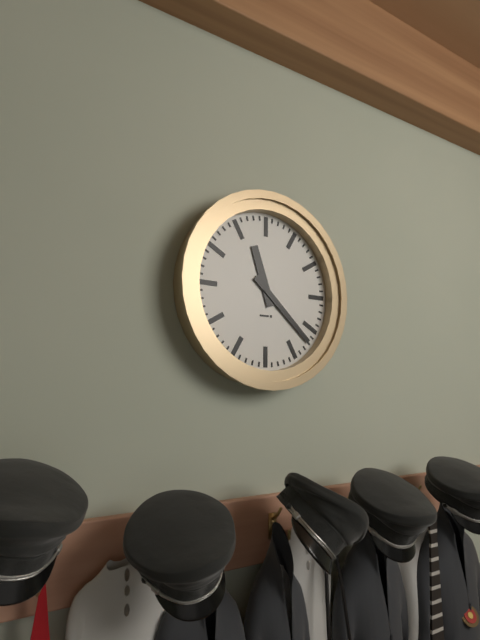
11:22
